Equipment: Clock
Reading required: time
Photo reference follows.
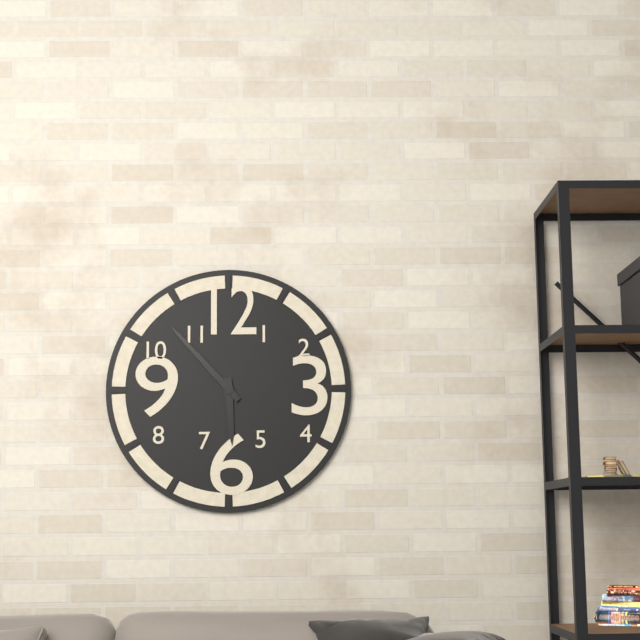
5:53
